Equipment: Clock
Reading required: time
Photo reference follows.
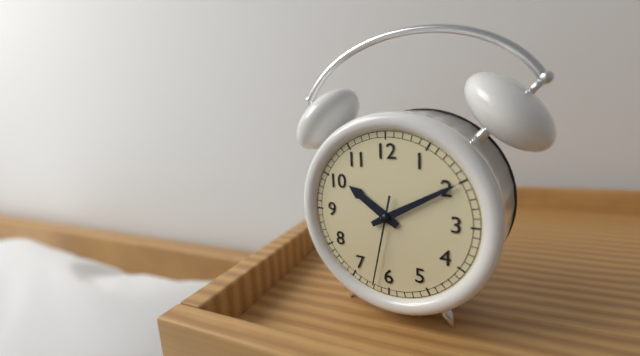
10:10:32
